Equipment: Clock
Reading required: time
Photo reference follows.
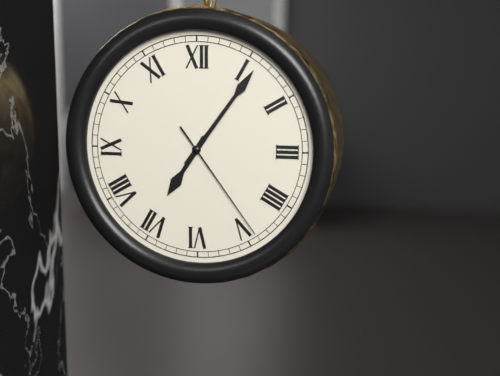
7:06:24
